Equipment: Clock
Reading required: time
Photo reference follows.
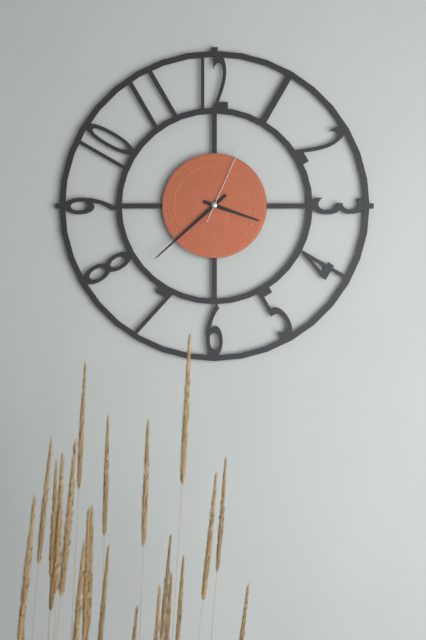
3:38:04
